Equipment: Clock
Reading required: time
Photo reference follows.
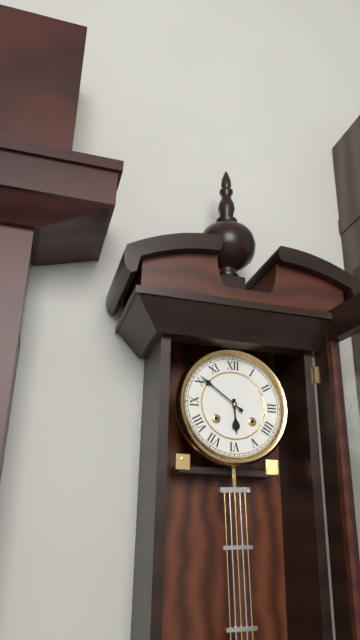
5:51
